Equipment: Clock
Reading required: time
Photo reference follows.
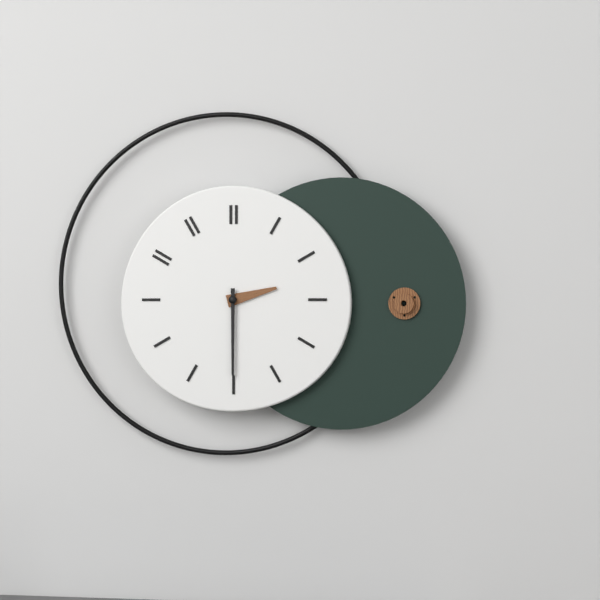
2:30
